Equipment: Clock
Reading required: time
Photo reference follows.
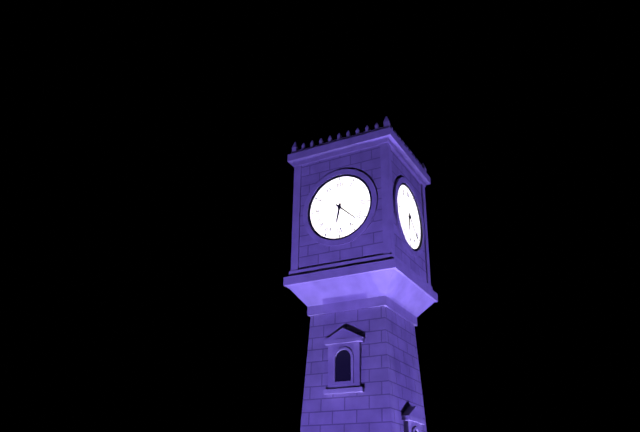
6:22
